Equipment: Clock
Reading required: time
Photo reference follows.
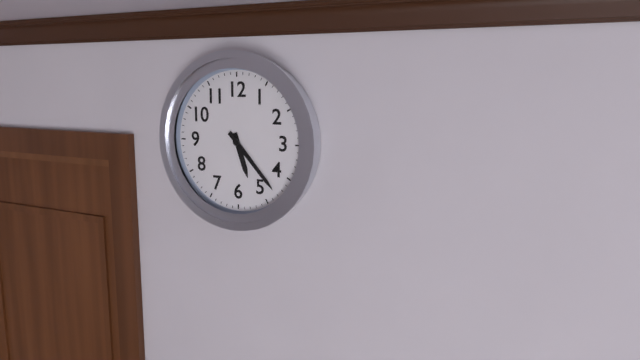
5:23
